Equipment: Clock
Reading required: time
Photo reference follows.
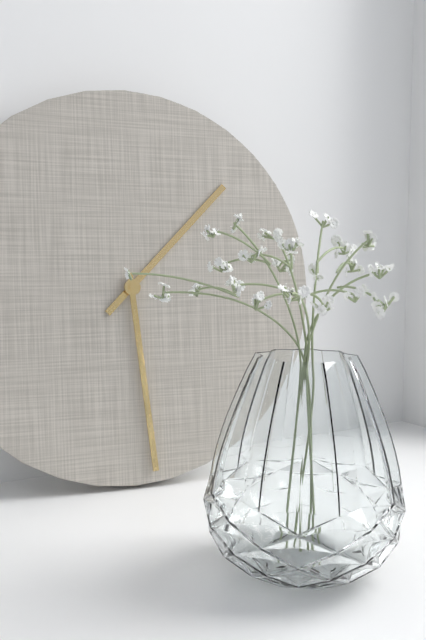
1:29
